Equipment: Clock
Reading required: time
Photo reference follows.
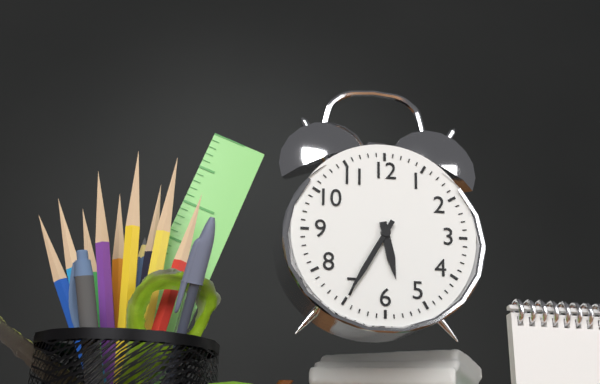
5:35
